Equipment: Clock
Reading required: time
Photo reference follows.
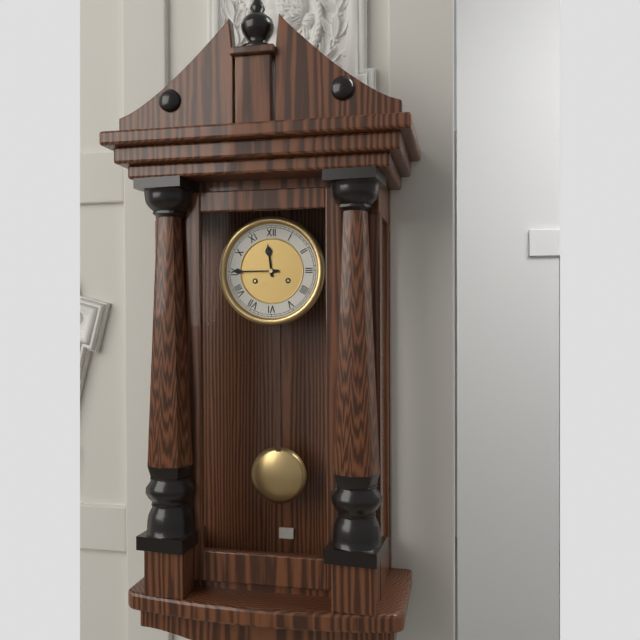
11:45
